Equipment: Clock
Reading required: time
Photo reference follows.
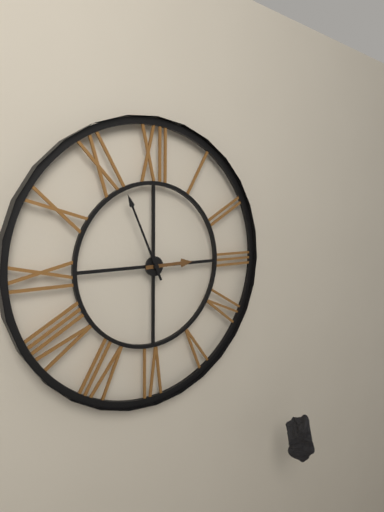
2:56
